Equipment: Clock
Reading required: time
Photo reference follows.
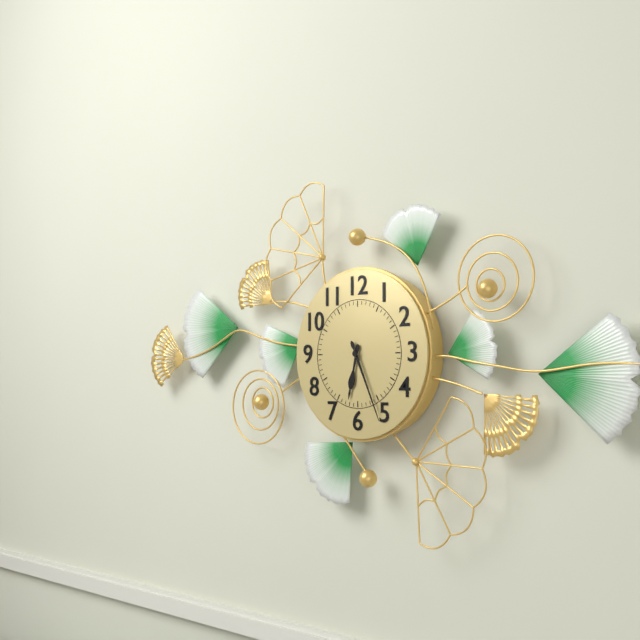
6:26
